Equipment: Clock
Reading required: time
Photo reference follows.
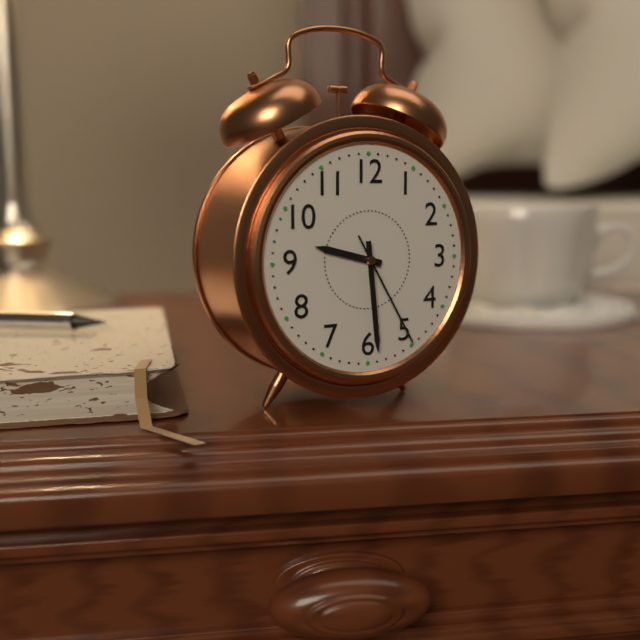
9:29:25
